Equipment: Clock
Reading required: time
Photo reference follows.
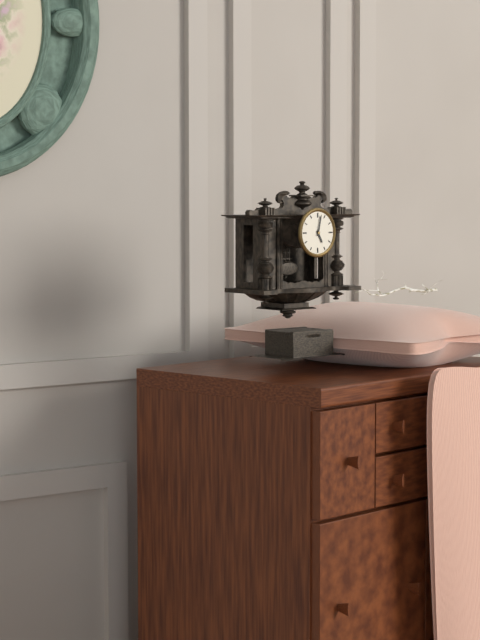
5:02
